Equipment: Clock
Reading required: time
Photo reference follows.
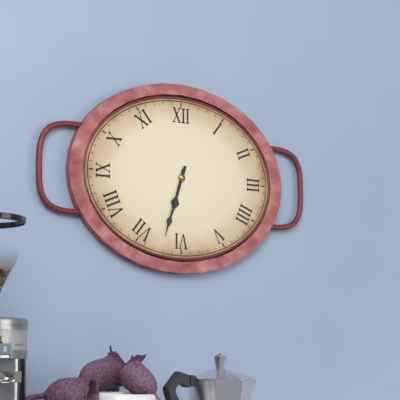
6:33
